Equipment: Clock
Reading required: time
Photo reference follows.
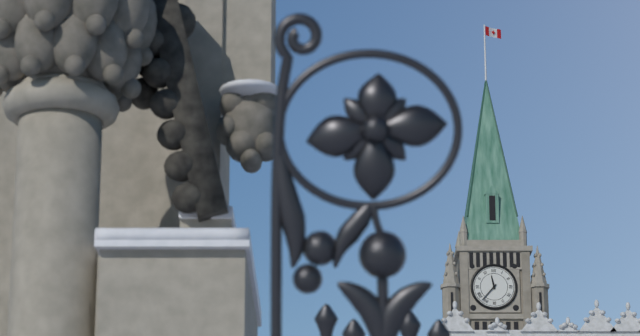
11:37
